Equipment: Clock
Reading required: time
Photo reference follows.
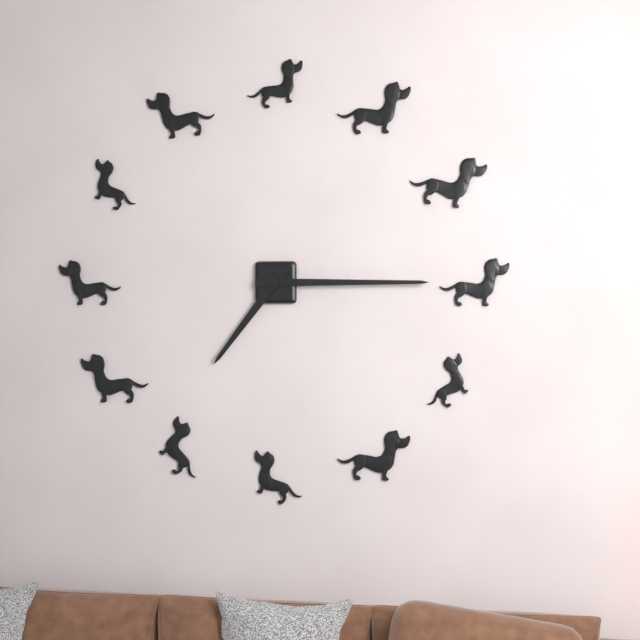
7:15
